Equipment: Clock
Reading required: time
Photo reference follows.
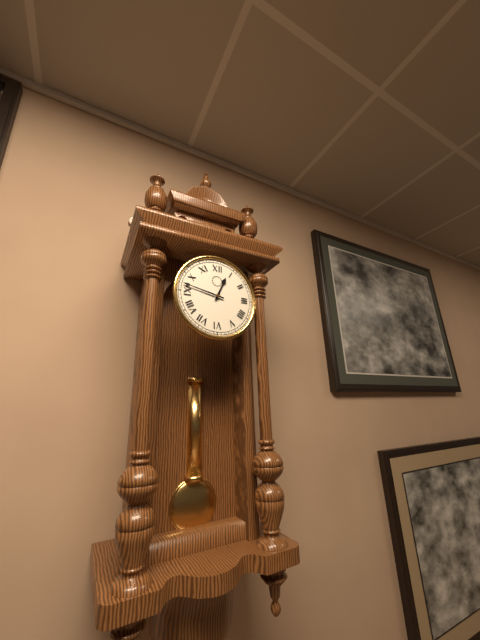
12:47
